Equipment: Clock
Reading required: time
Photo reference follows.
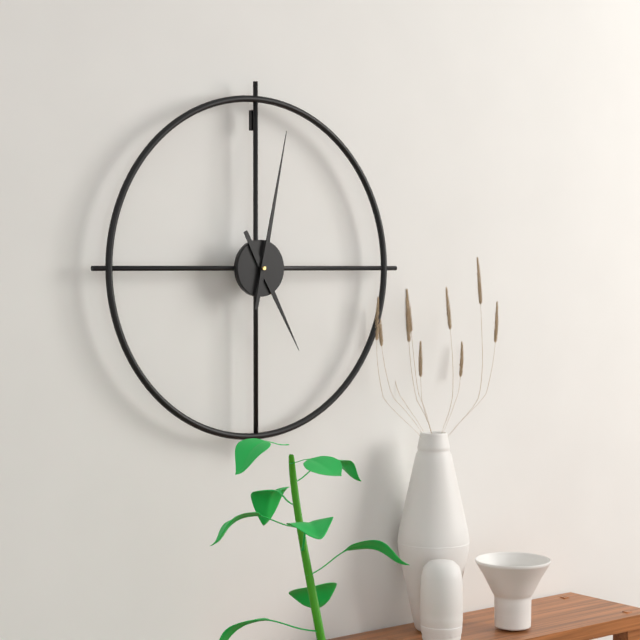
5:02
